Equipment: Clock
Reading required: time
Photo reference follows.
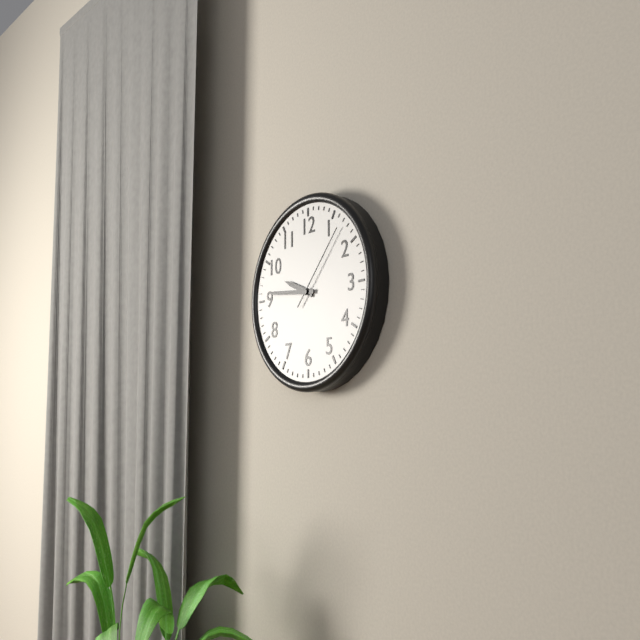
9:46:07
